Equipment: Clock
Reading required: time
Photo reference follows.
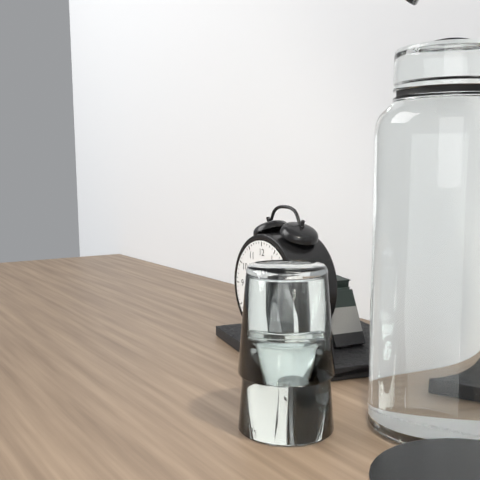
7:22
